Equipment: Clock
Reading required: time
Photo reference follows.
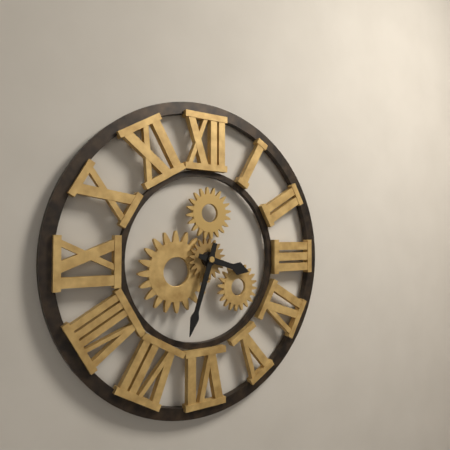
3:33
